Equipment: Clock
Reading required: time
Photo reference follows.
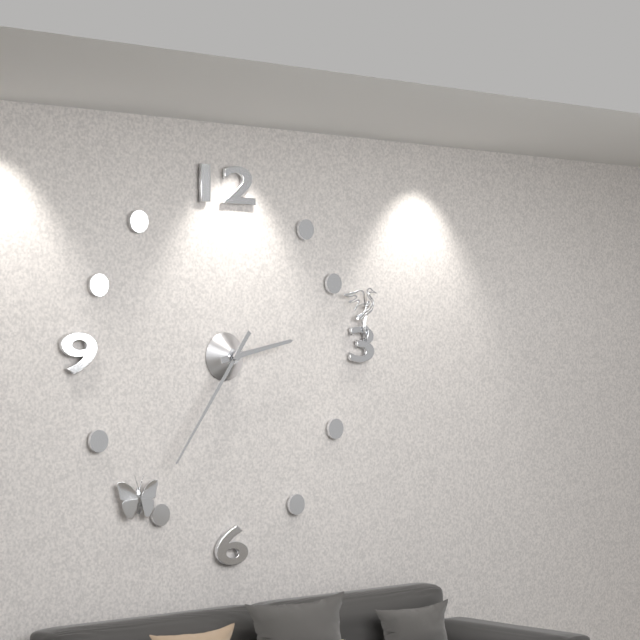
2:36
